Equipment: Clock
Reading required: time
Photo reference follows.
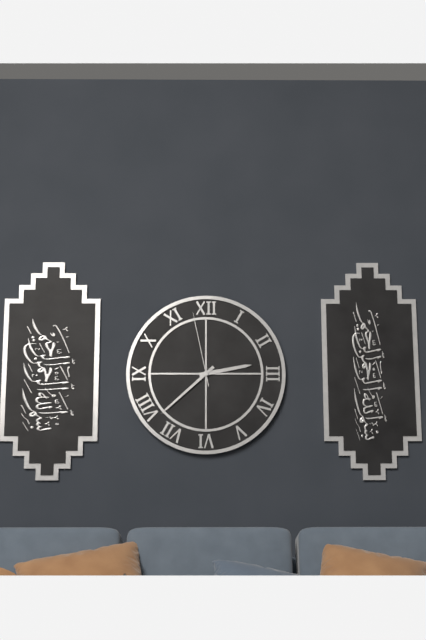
2:38:58
